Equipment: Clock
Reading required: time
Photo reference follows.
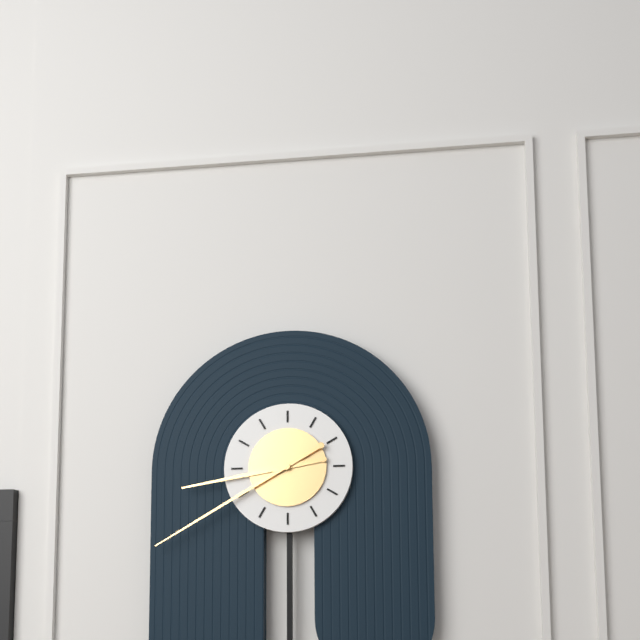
8:40
